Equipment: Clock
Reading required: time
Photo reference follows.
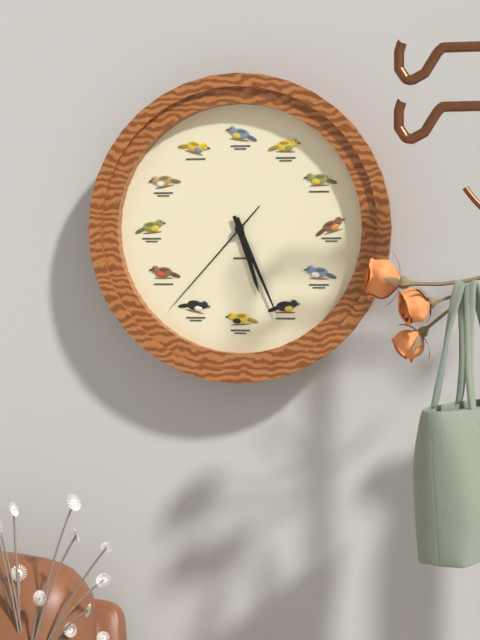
5:26:37
